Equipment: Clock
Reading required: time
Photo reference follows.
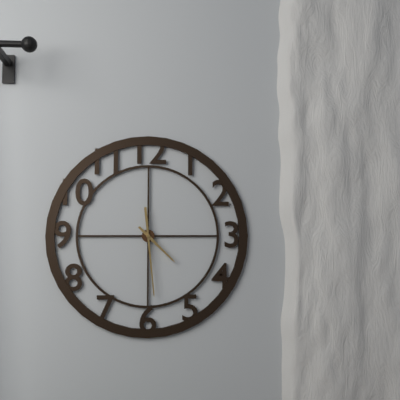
4:29
